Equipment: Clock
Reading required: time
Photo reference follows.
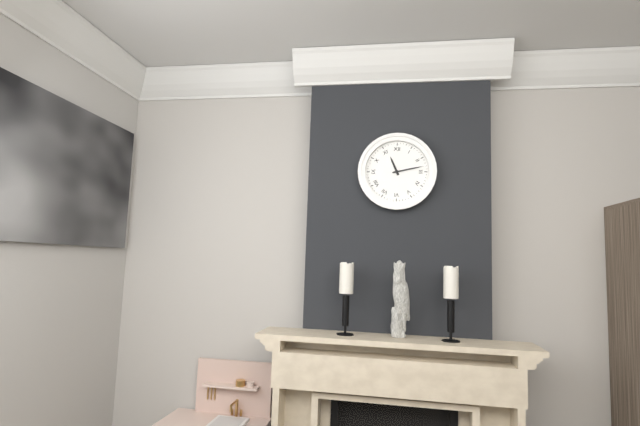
11:13
